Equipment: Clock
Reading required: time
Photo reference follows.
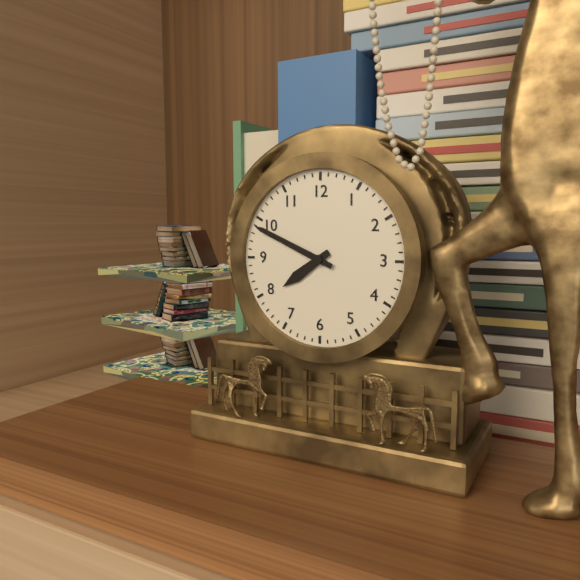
7:49
